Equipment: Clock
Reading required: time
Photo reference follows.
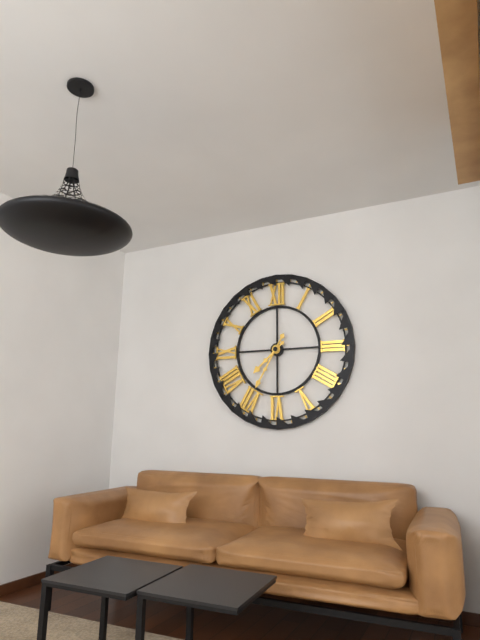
7:35
